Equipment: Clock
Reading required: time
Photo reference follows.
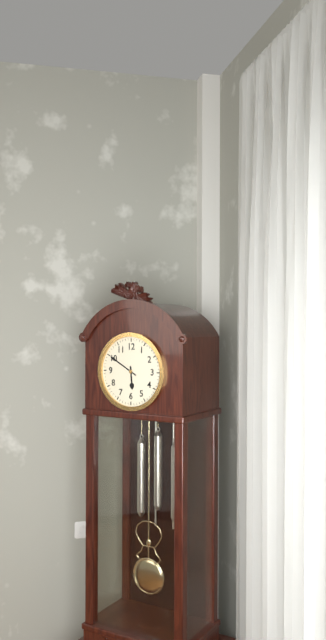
5:50
